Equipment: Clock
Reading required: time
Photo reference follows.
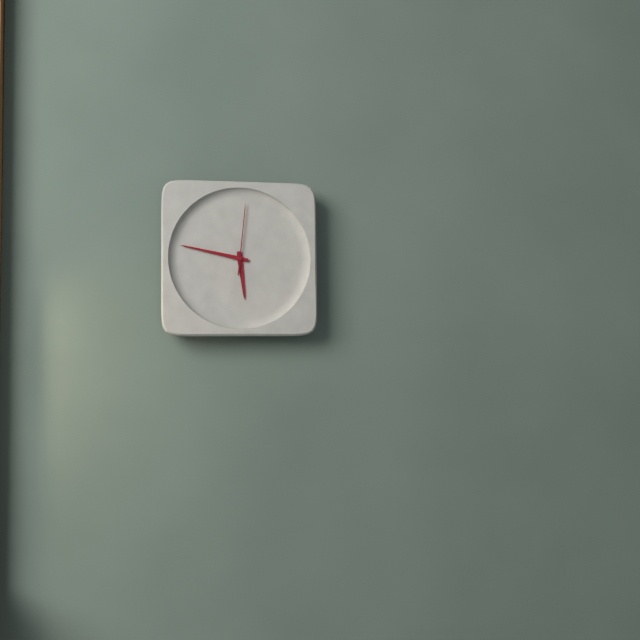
5:47:01
